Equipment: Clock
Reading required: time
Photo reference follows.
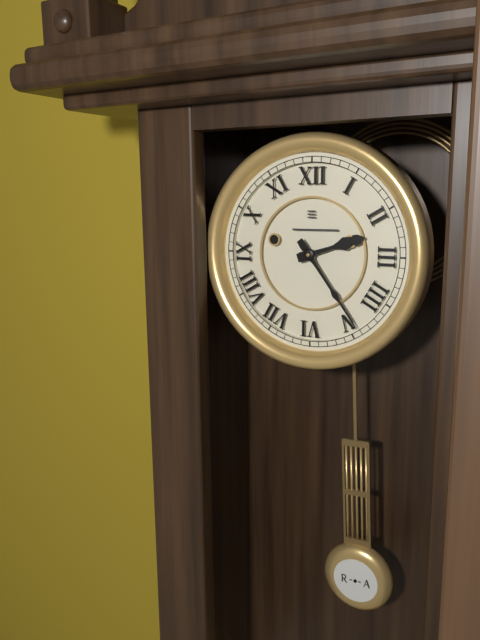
2:24
